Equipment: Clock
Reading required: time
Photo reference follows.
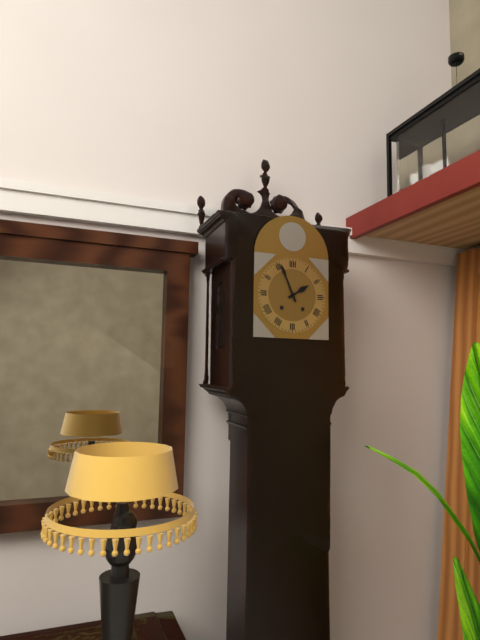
1:56
